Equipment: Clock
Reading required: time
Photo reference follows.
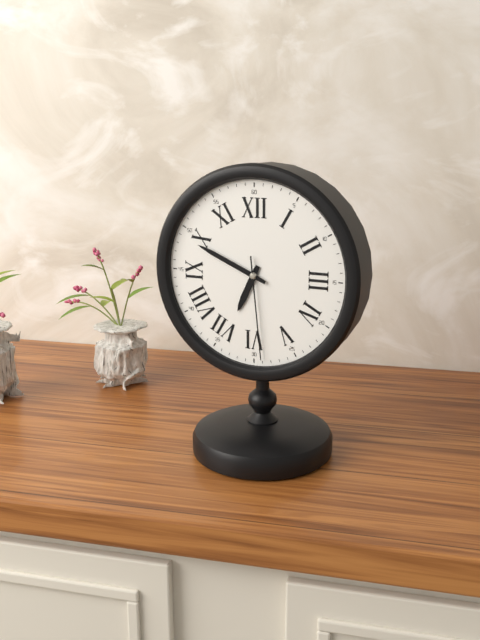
6:49:29
